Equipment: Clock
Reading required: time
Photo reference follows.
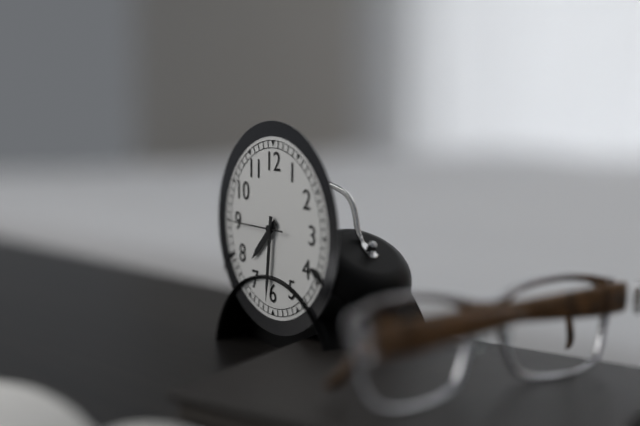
7:31:45
